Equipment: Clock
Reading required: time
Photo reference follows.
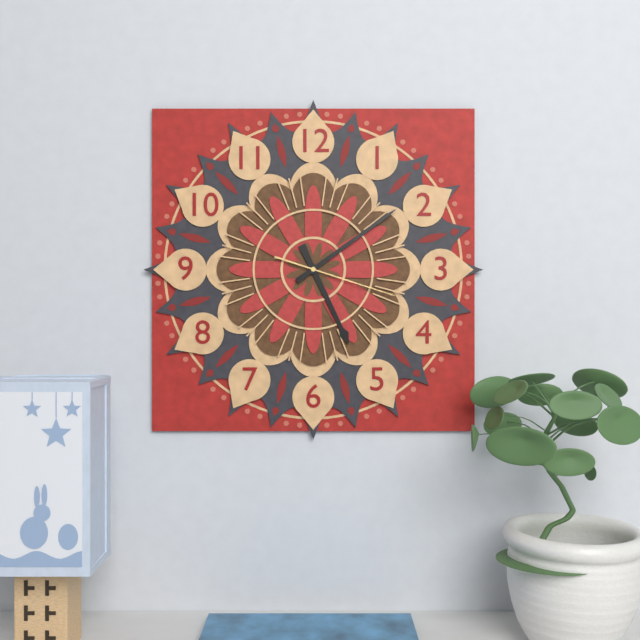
5:09:18
